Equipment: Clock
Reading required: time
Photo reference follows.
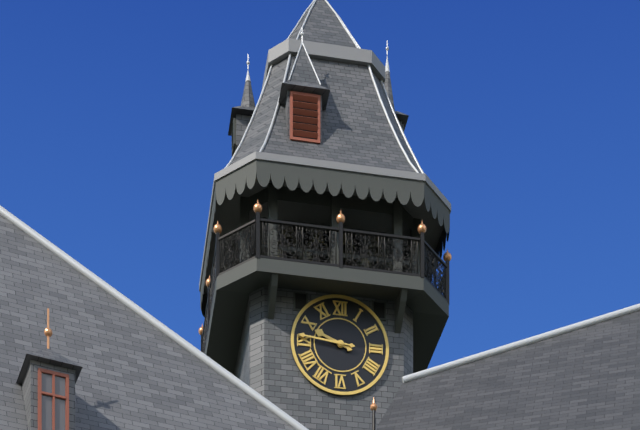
9:46
